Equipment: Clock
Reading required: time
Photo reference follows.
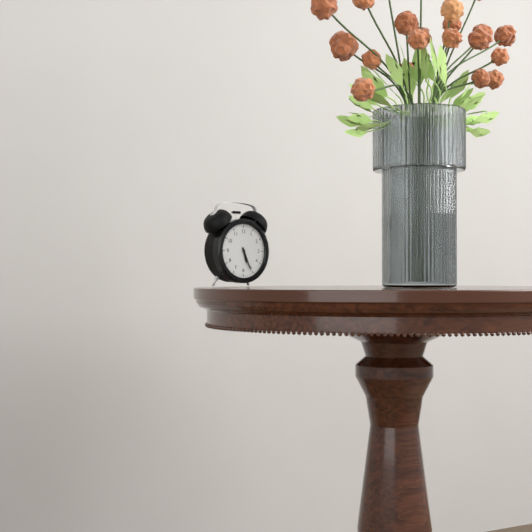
5:26
